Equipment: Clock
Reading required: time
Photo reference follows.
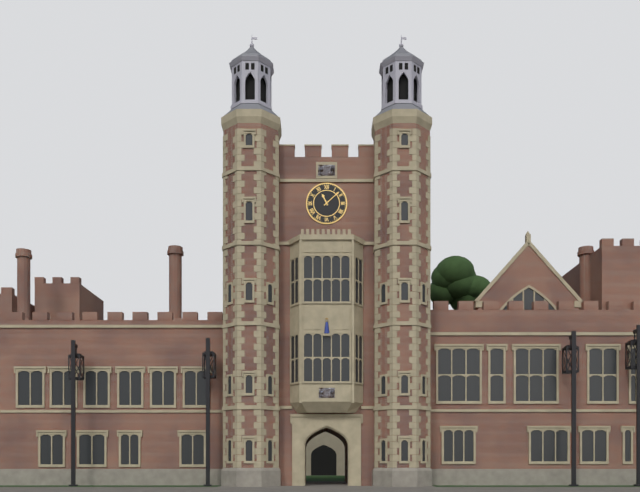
11:08
